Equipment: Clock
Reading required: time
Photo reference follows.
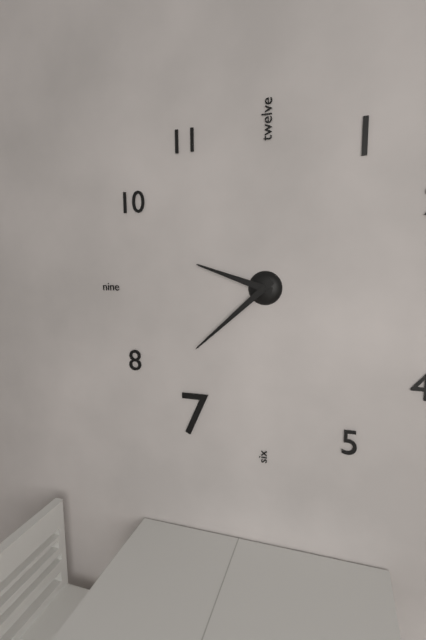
9:38
